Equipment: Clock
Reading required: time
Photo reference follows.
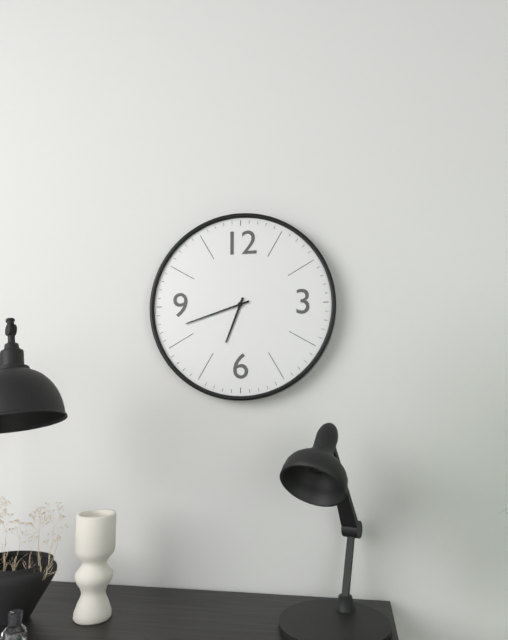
6:42
